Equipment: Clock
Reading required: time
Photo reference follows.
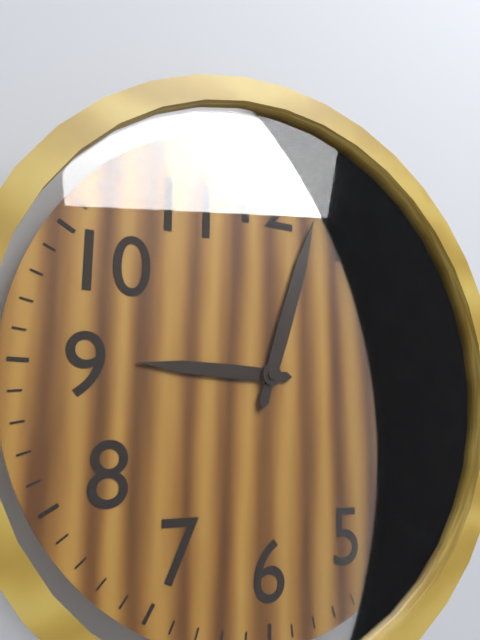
9:03
